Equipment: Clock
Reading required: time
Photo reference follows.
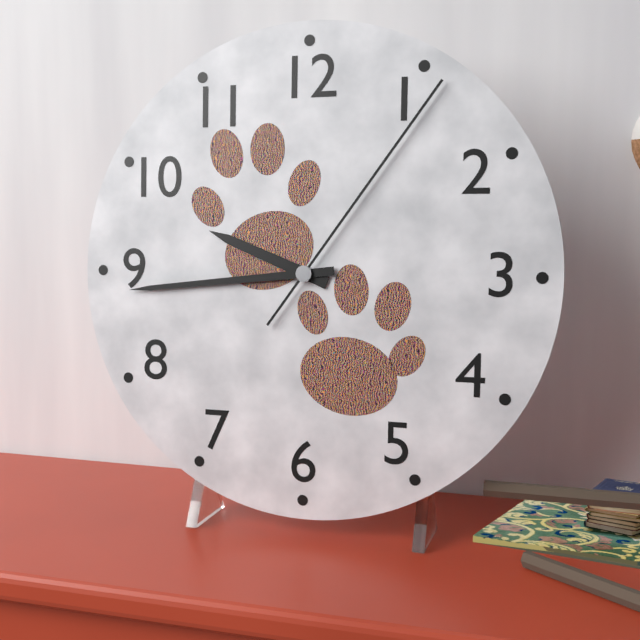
9:44:06
